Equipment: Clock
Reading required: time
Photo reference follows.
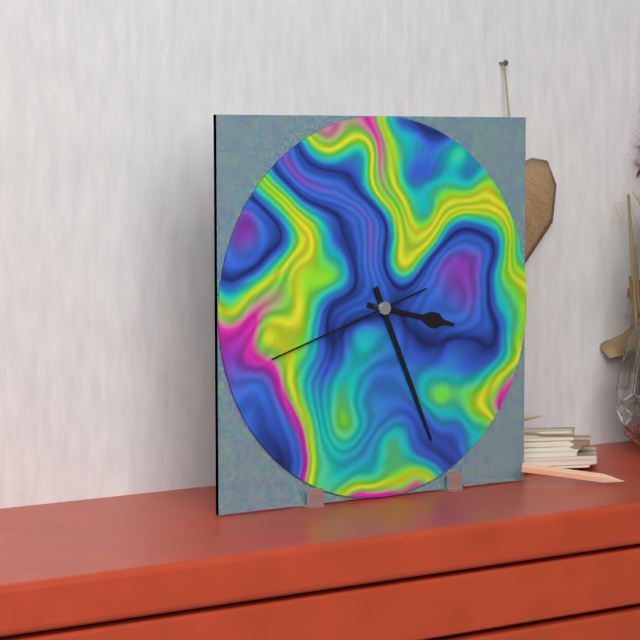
3:26:42
